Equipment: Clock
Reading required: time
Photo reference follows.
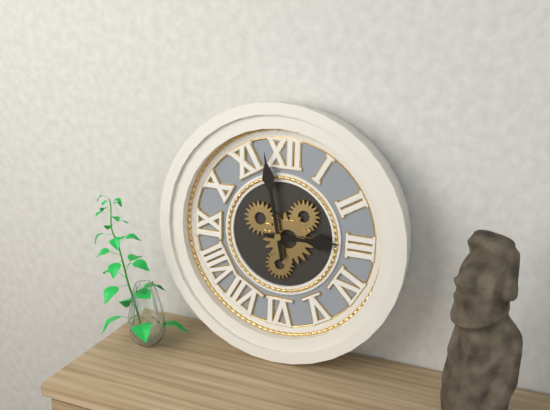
2:58
